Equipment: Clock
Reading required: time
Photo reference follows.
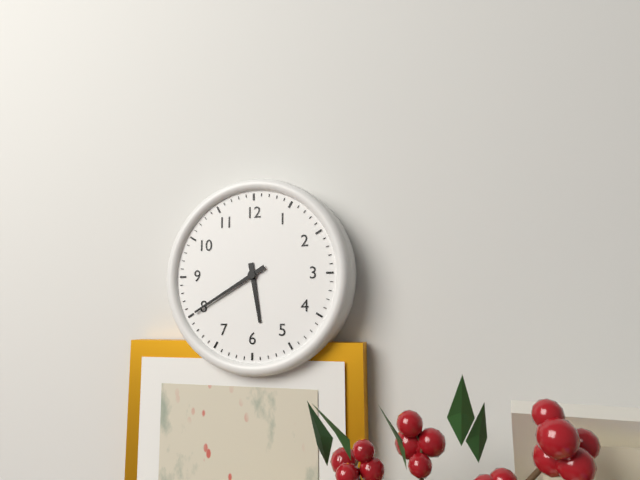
5:40
